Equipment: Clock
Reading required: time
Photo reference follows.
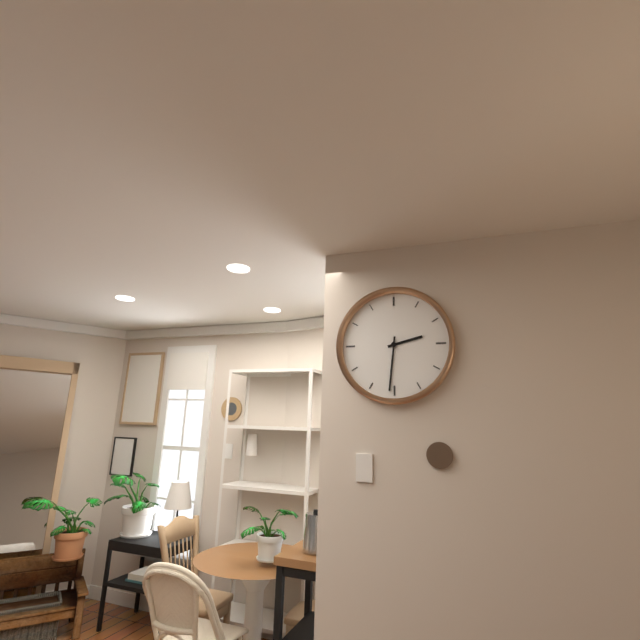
2:31
